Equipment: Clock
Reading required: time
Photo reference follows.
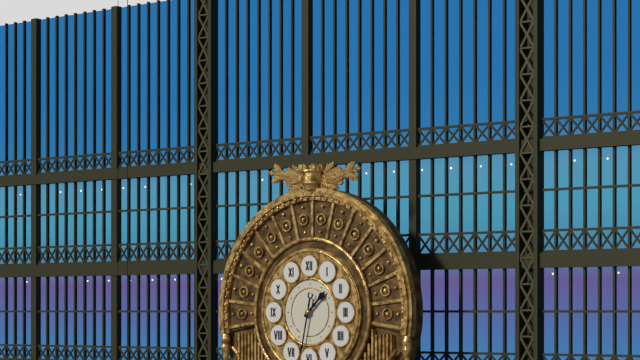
1:32
